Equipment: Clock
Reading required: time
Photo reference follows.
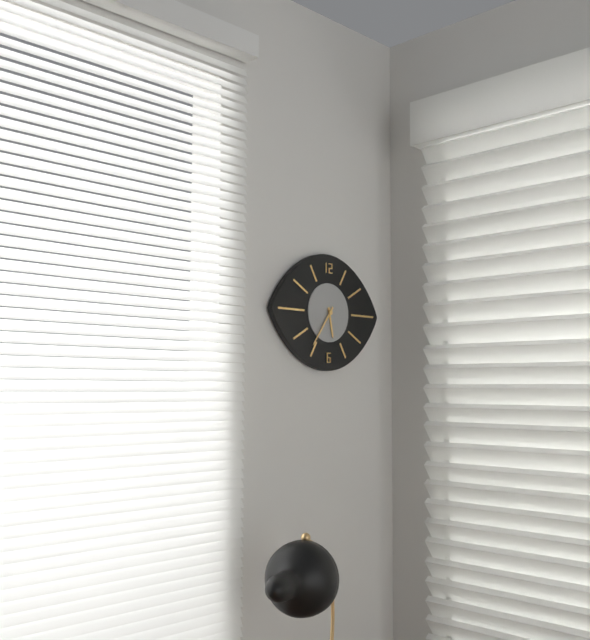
5:36
